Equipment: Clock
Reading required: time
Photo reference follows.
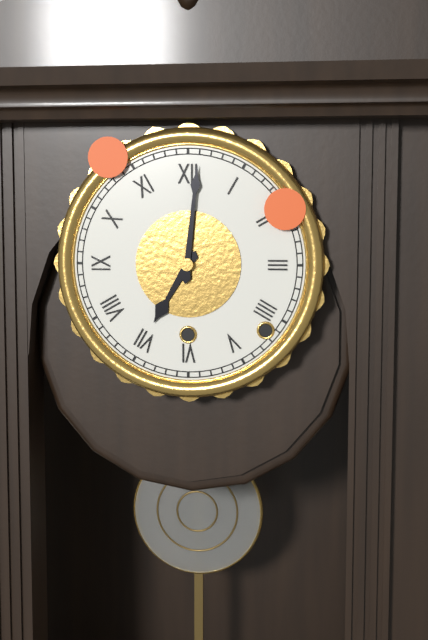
7:01
